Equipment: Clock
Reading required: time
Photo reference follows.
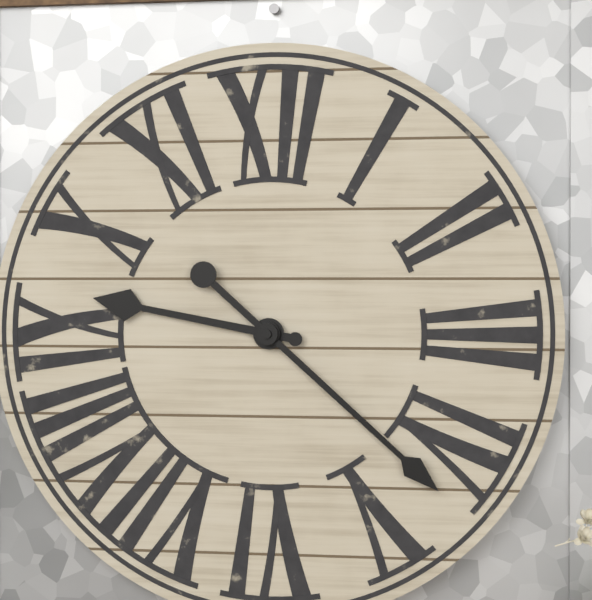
9:22
